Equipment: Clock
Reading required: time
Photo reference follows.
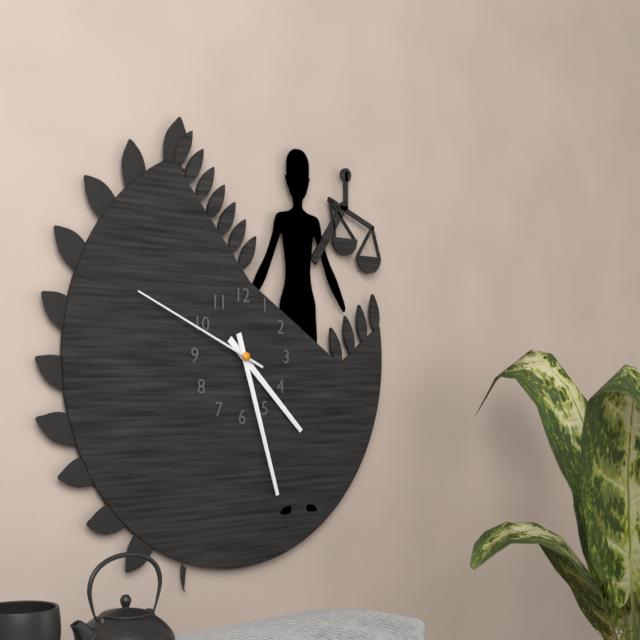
4:27:49
